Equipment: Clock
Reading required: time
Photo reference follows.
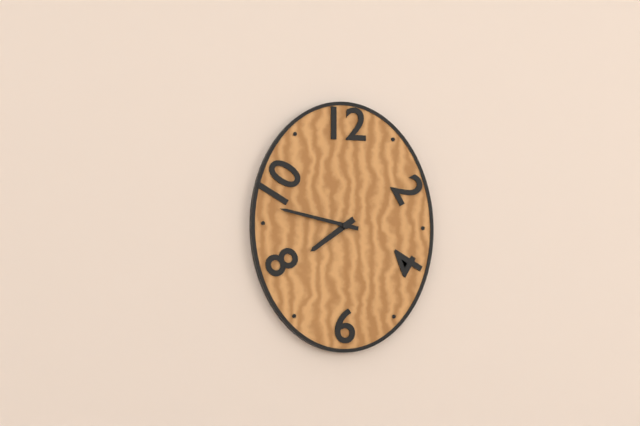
7:47
